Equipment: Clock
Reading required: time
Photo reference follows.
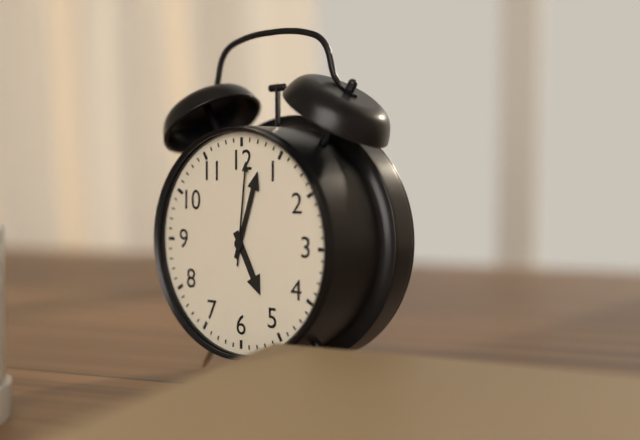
5:03:01
